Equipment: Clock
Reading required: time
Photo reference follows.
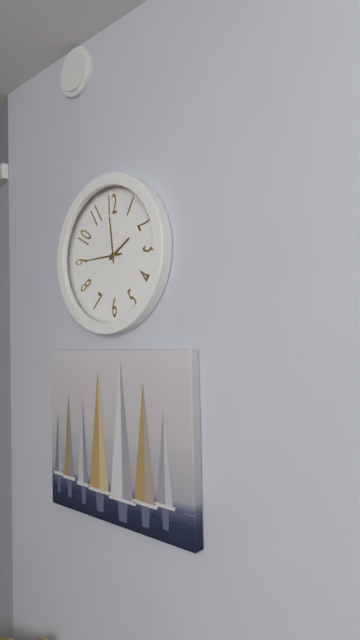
1:59
